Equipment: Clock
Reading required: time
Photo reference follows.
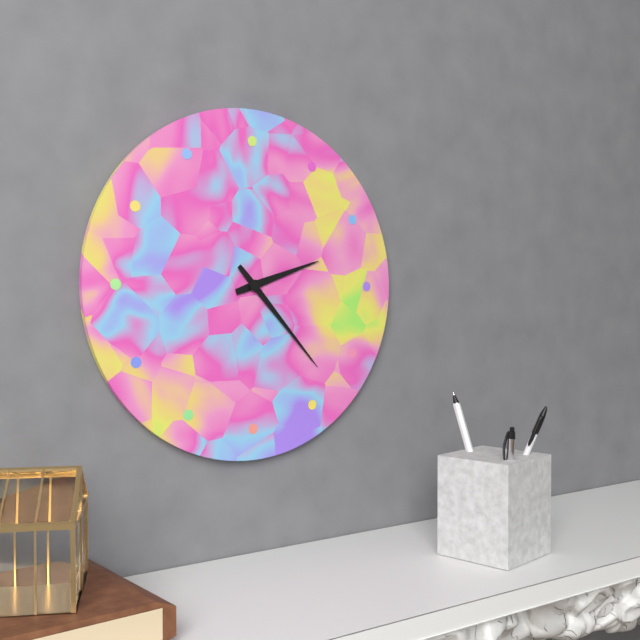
2:23
